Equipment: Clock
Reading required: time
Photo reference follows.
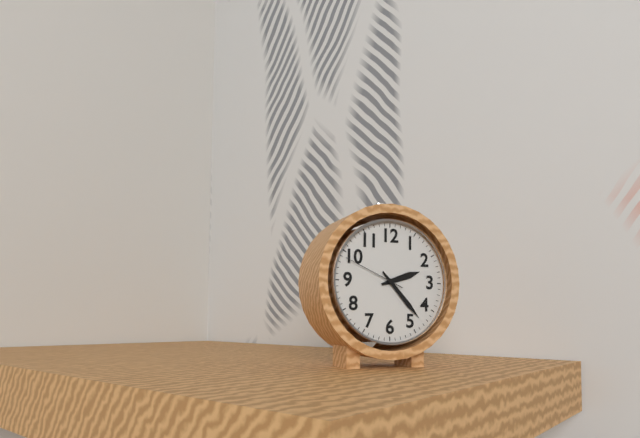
2:23:49
